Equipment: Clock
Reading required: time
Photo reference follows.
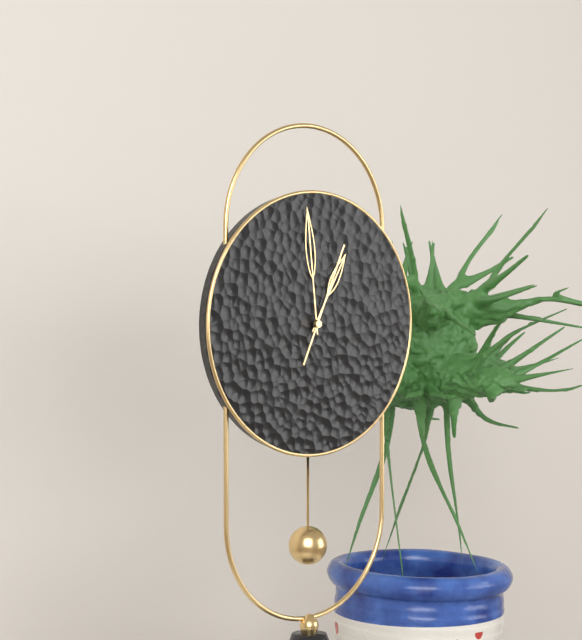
12:59:04
